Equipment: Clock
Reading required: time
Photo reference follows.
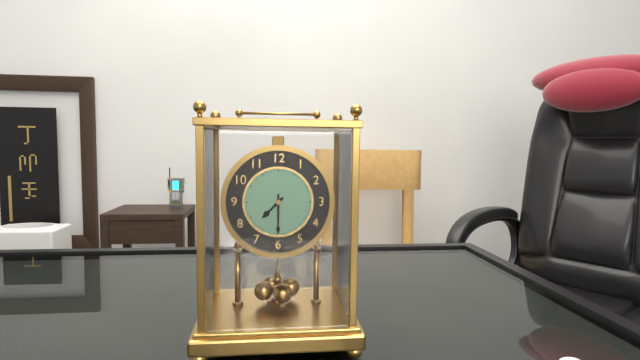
7:30
